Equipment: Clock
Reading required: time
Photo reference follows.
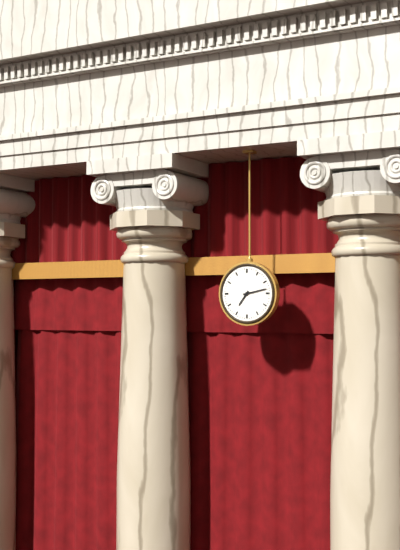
7:13
